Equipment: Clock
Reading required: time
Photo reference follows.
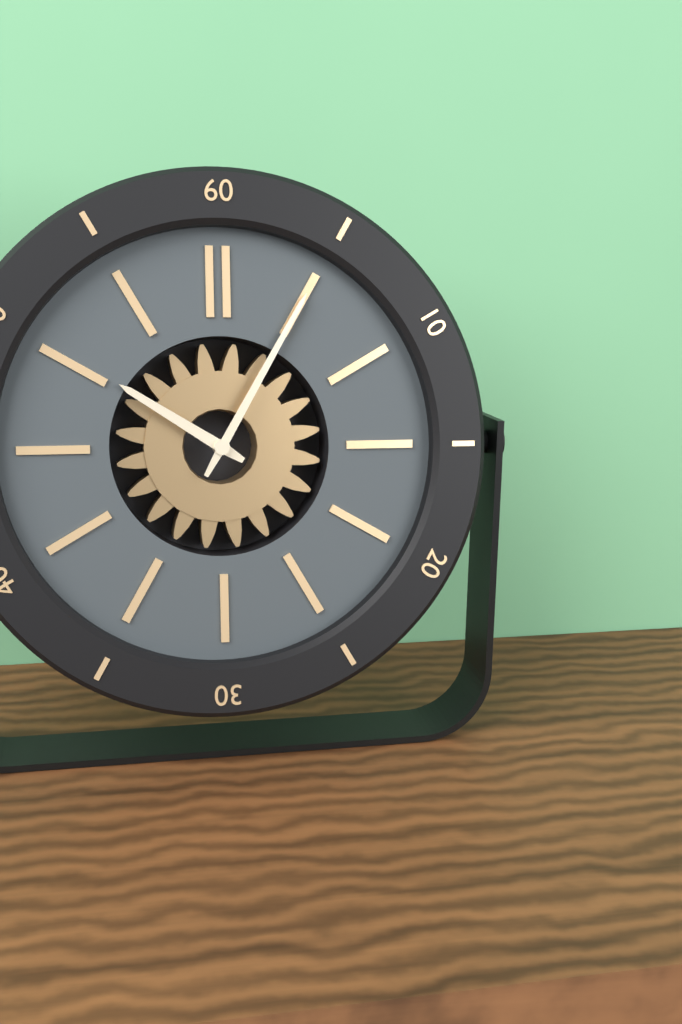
10:05
